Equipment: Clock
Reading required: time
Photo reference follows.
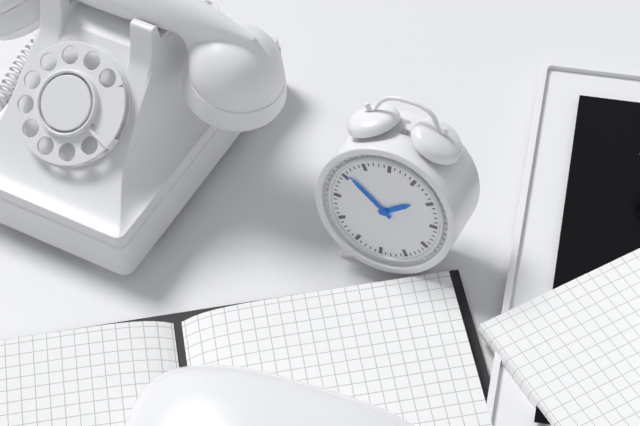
1:51
